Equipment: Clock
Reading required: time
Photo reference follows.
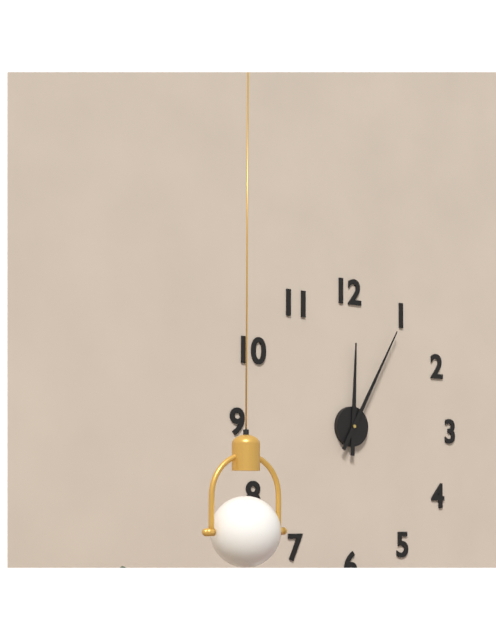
12:05
